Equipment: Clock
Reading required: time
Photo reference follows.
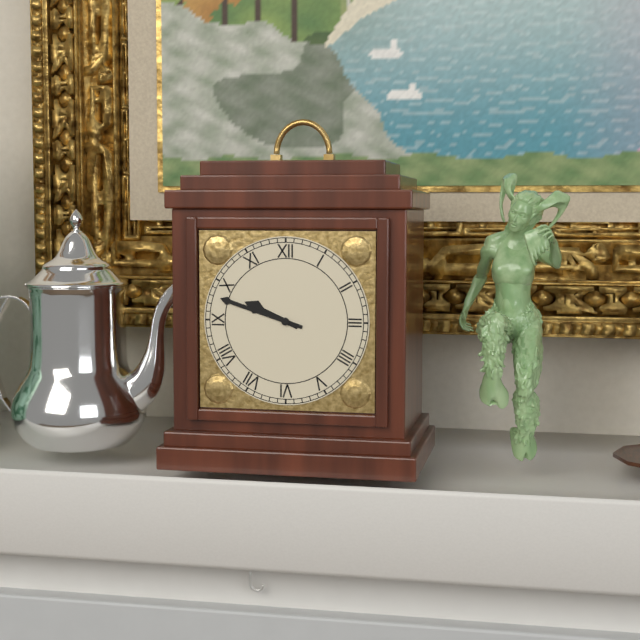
9:48
